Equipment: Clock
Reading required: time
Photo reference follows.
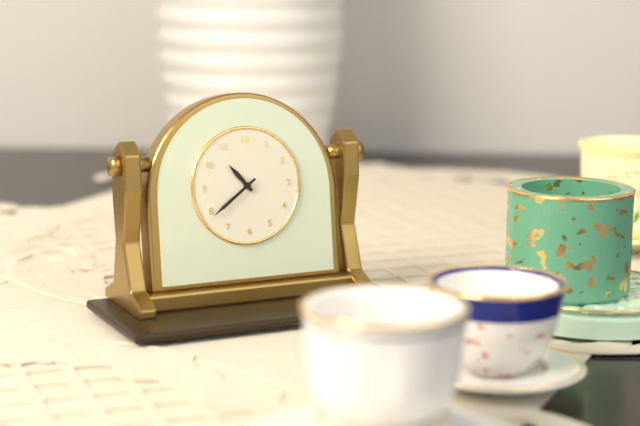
10:39
